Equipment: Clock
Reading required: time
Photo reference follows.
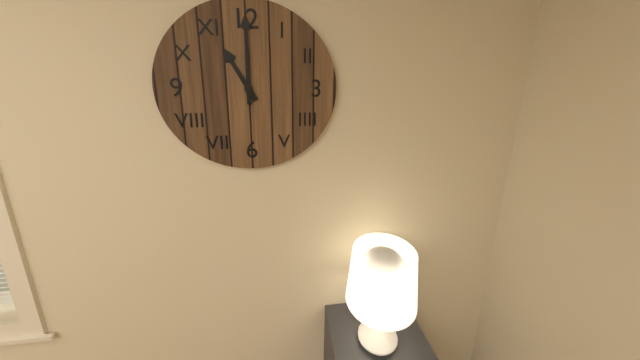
11:00
